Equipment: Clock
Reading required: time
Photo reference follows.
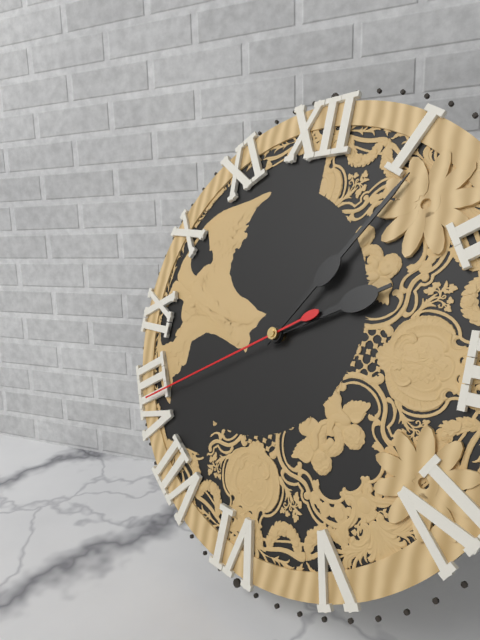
2:06:40
